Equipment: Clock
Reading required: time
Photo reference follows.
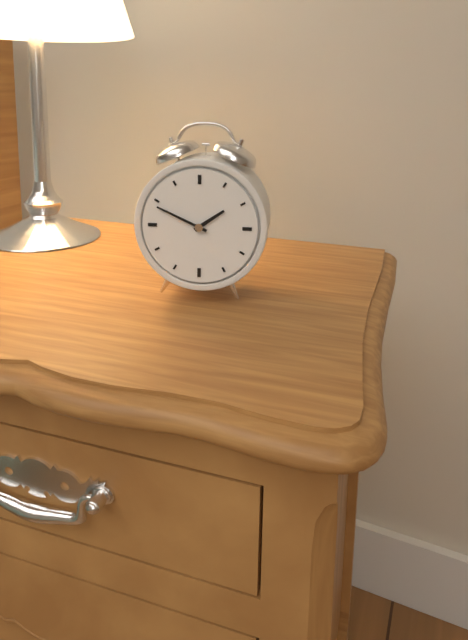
1:49
